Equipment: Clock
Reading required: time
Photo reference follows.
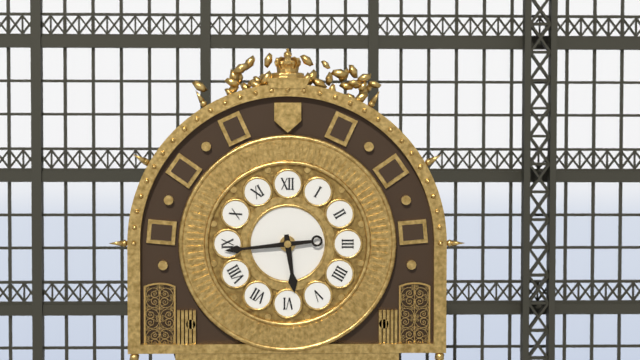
5:44
